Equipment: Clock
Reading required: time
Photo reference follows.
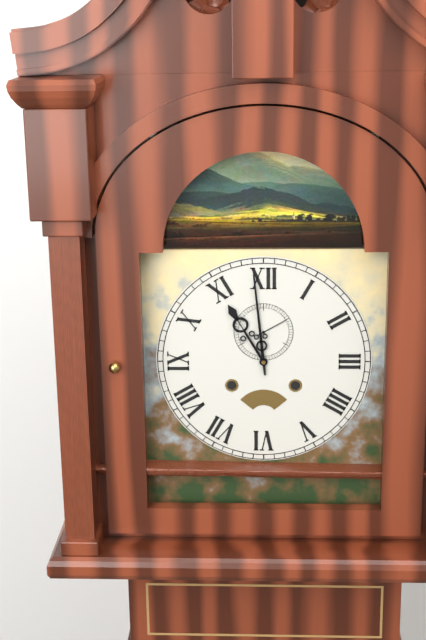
10:59
